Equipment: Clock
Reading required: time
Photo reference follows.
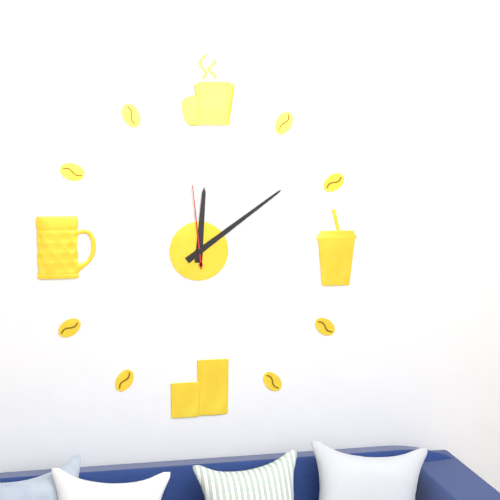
12:09:59
